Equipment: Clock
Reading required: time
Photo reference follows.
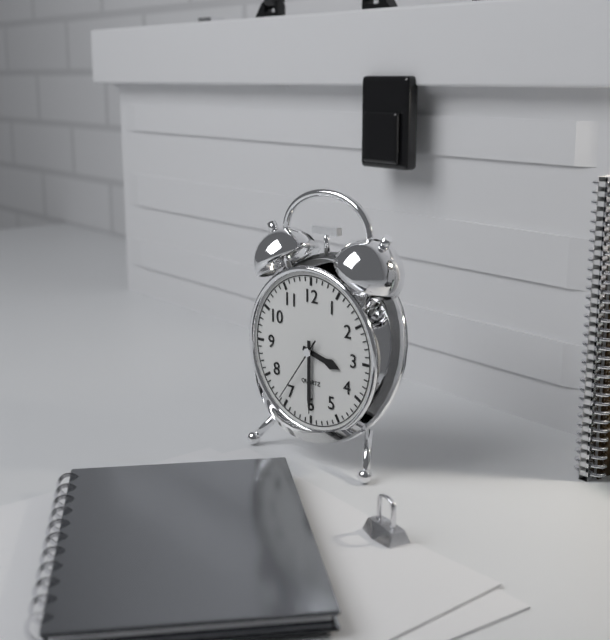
3:30:36
